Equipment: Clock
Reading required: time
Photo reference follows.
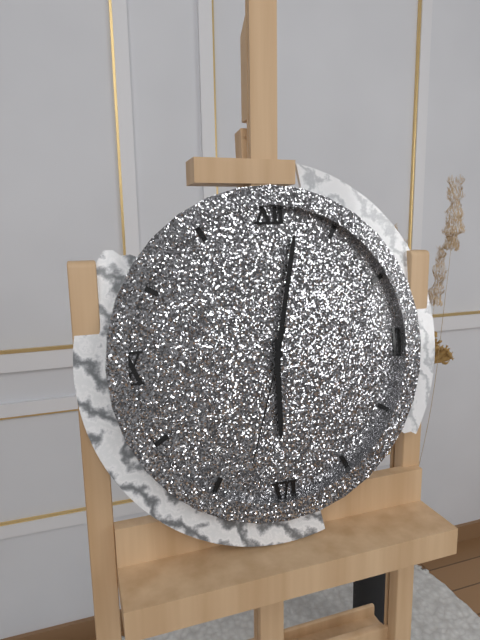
6:02:33
